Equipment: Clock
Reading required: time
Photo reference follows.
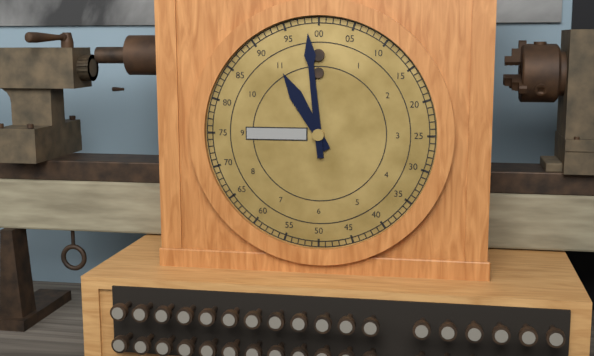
10:59
